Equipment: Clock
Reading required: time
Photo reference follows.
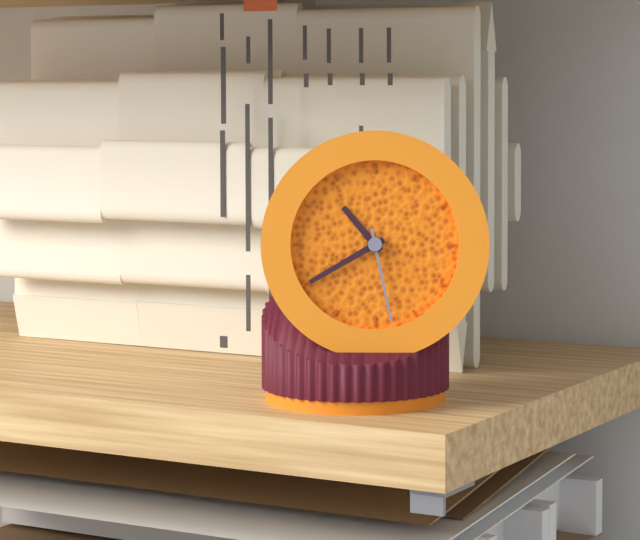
10:40:28
